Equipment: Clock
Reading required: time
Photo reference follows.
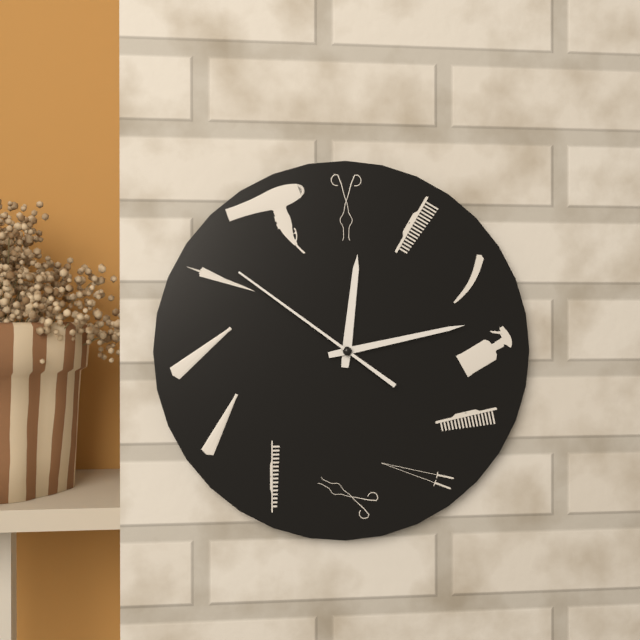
12:13:51
